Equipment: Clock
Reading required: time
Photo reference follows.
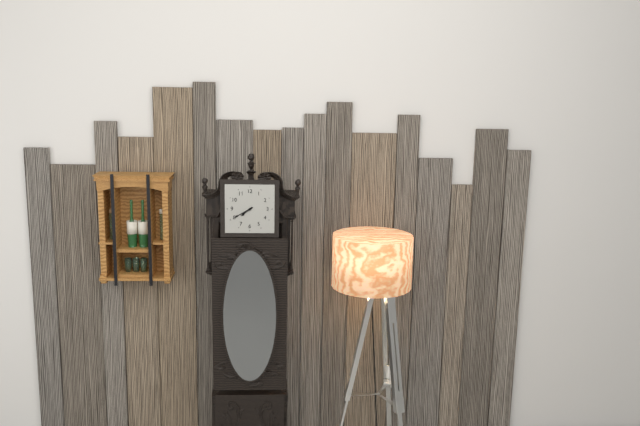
7:40
